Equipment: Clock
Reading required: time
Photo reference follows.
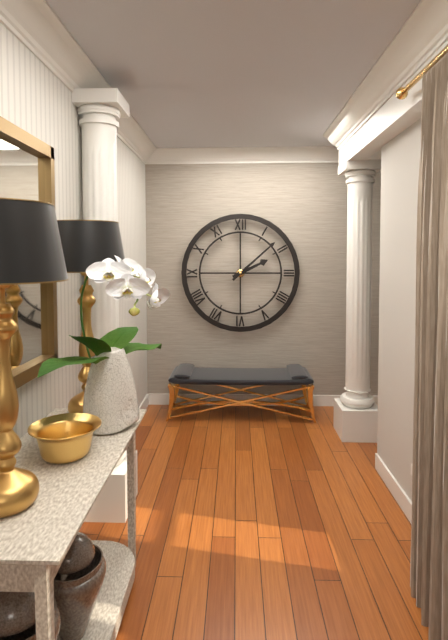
2:08
